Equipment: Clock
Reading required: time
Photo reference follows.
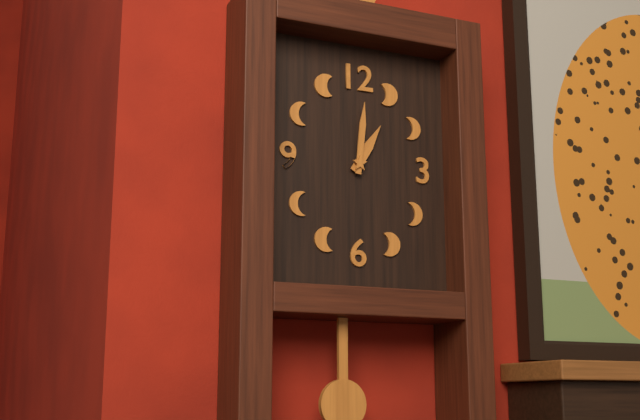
1:01
